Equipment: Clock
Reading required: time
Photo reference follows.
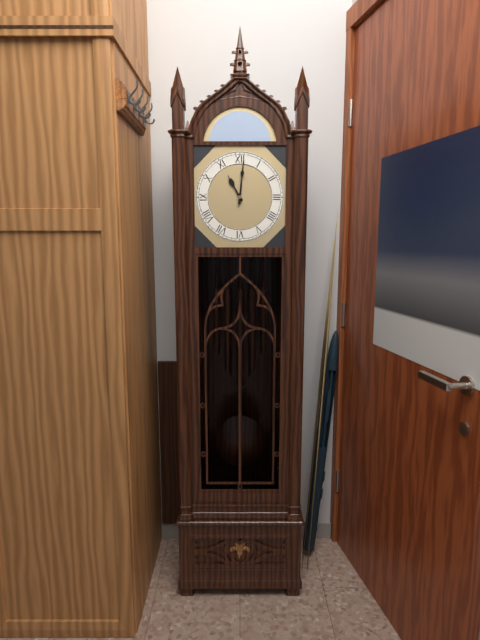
11:01
